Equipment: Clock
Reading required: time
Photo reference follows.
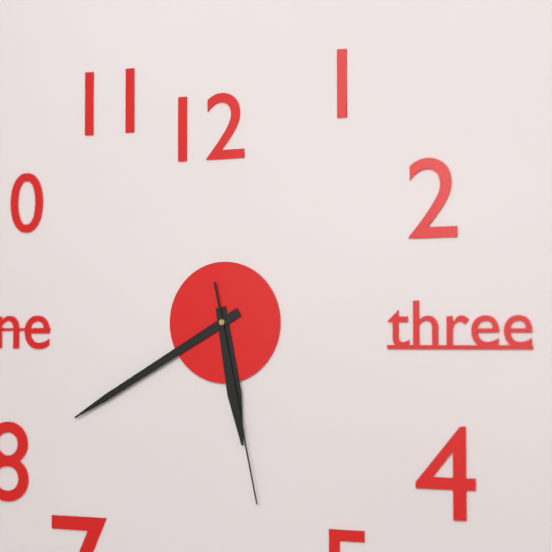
5:40:28
